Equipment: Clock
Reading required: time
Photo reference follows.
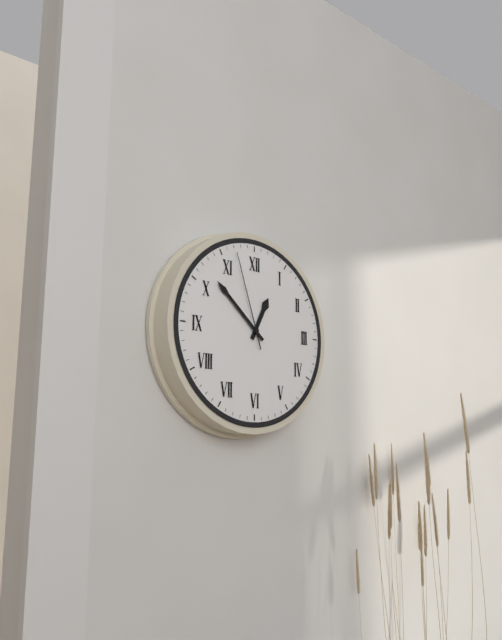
12:52:57
